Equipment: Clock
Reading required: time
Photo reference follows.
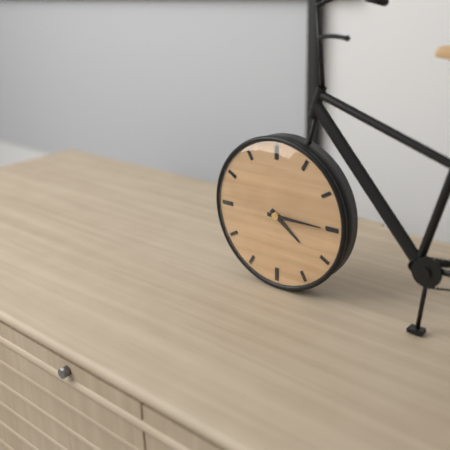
4:15
